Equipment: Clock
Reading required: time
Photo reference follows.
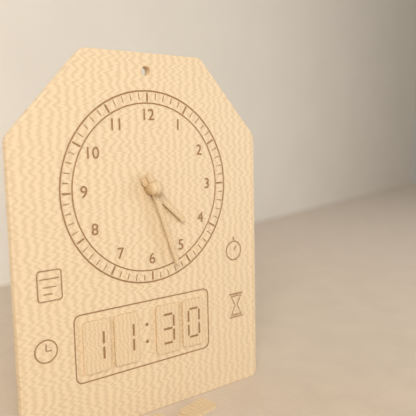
4:27
